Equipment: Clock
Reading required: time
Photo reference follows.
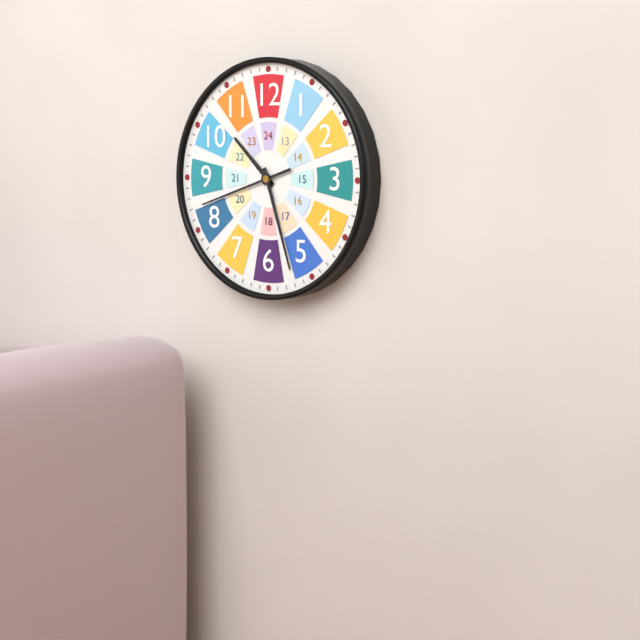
10:27:42
